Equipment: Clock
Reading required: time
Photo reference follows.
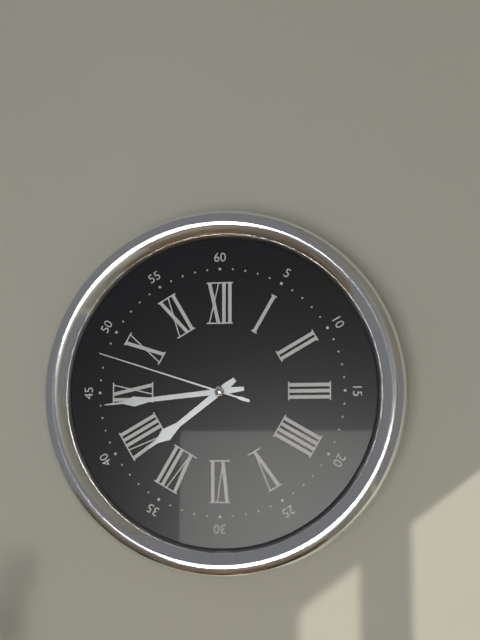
7:44:48
